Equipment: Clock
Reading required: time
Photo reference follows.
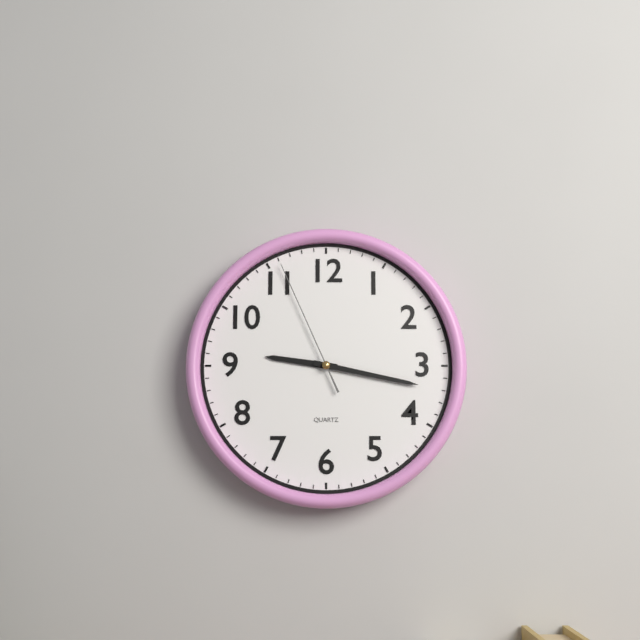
9:17:56
